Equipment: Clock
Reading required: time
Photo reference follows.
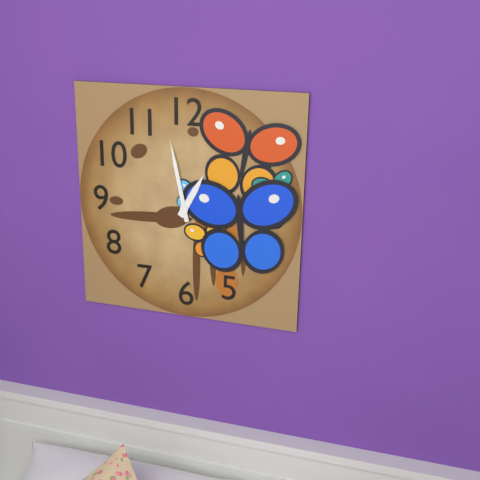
12:58
